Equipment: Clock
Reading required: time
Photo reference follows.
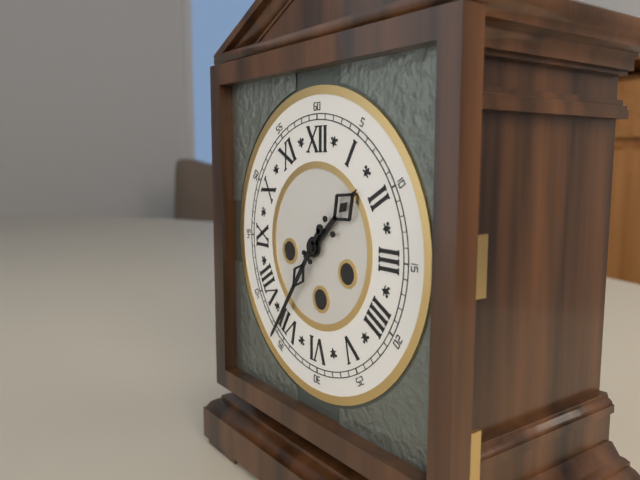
1:36
